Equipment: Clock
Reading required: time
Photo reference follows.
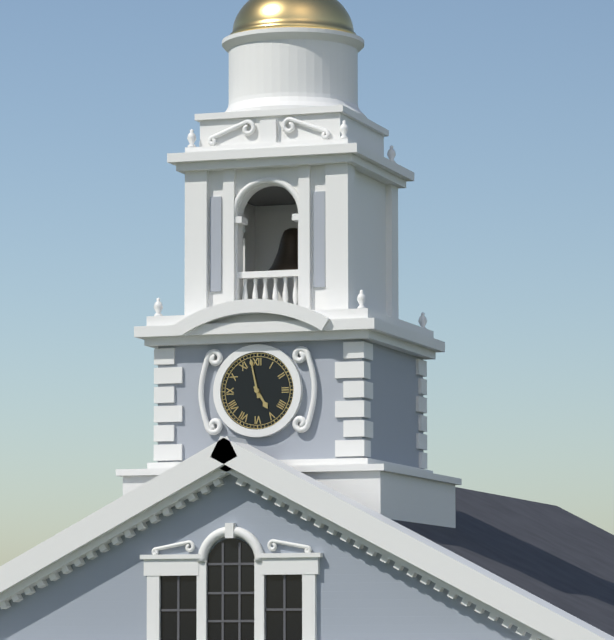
4:58
